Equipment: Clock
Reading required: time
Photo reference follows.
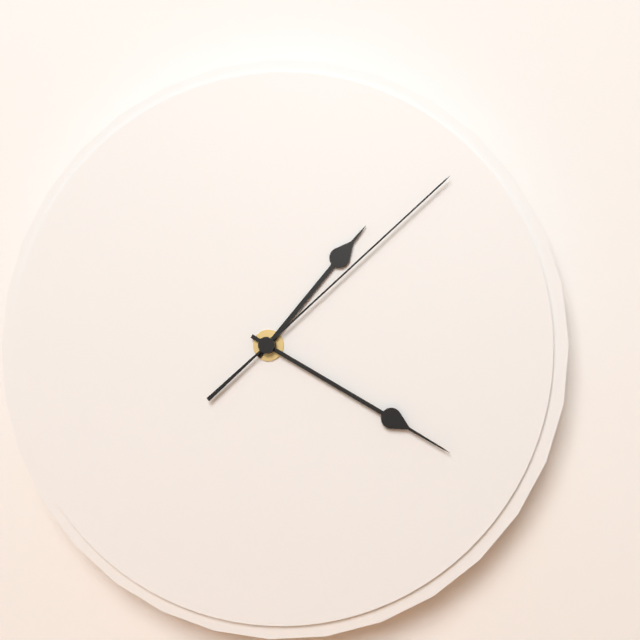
1:20:08
